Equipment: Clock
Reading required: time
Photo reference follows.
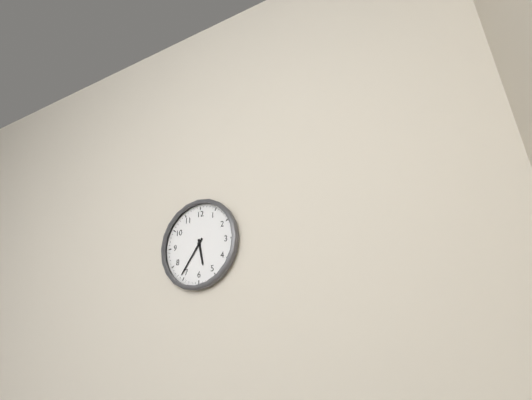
5:36
